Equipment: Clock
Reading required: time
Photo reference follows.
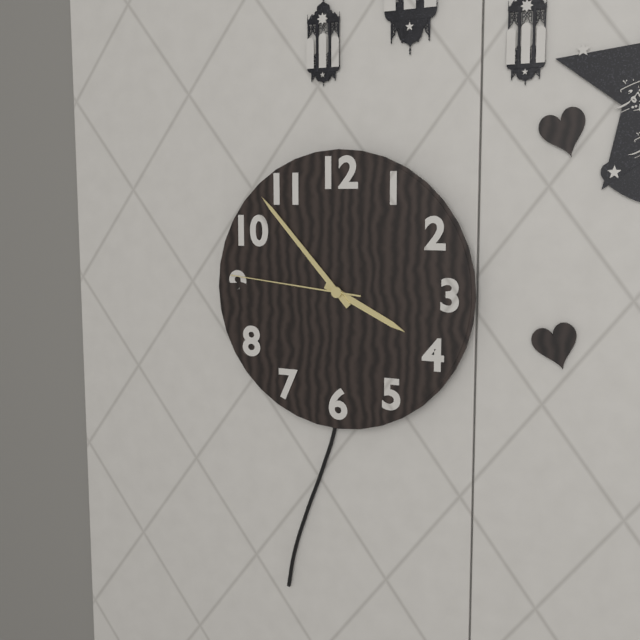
3:53:46
